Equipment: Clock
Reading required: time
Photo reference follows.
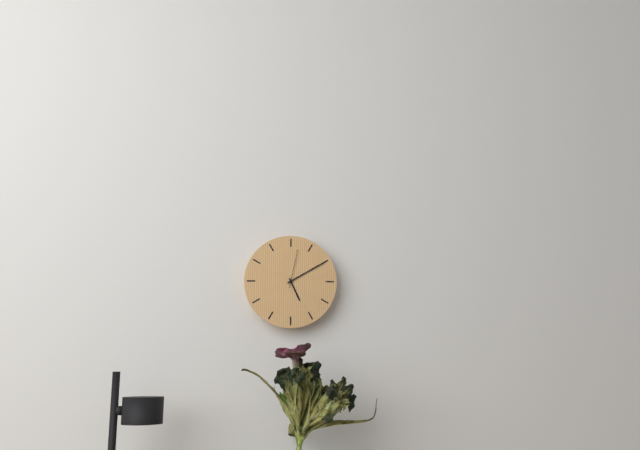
5:10
